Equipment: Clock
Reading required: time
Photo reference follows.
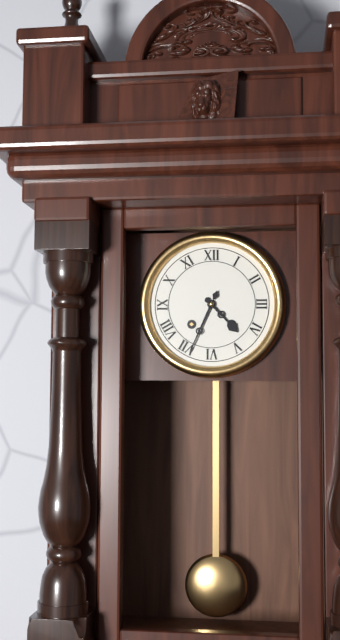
4:34
